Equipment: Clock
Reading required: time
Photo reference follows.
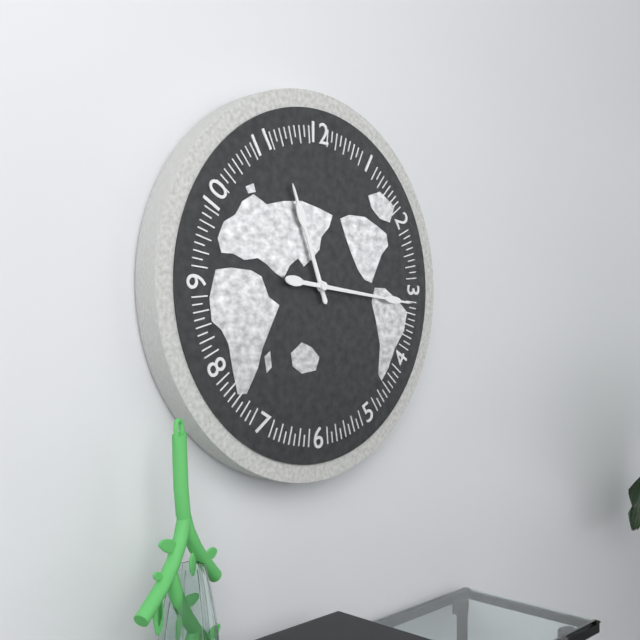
11:16
